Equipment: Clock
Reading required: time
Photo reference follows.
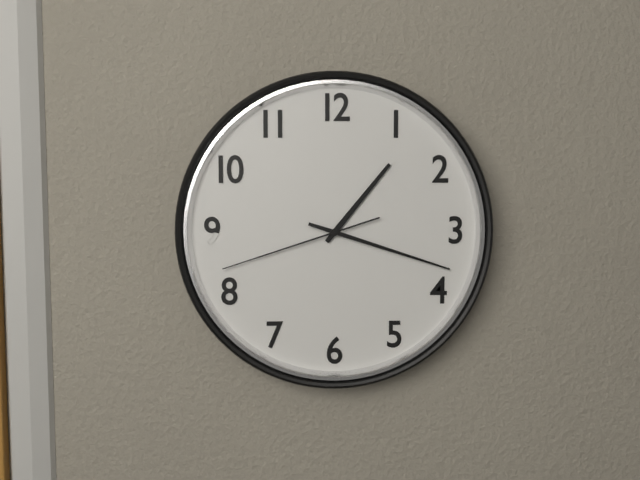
1:18:42
